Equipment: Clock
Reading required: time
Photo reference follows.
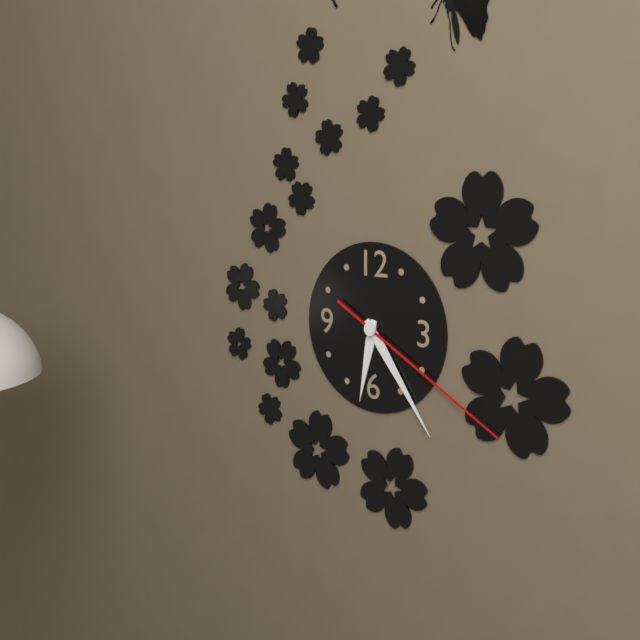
6:24:20
